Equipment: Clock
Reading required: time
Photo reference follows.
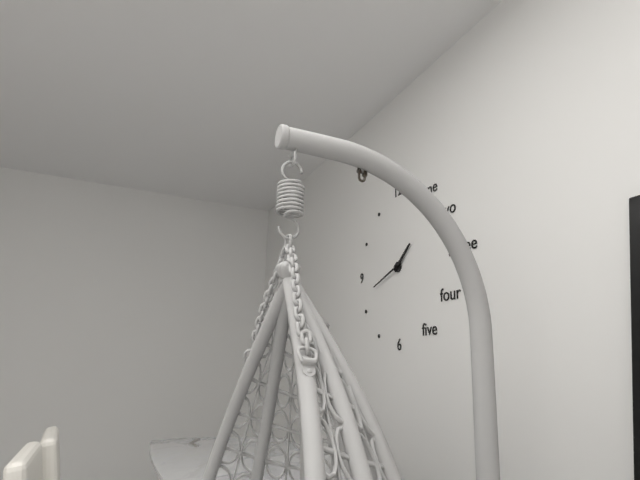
1:42
